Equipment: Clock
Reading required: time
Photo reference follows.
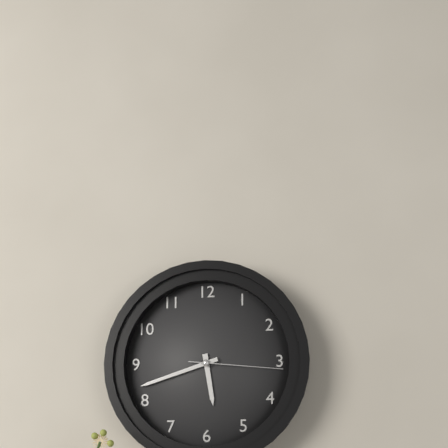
5:42:16
